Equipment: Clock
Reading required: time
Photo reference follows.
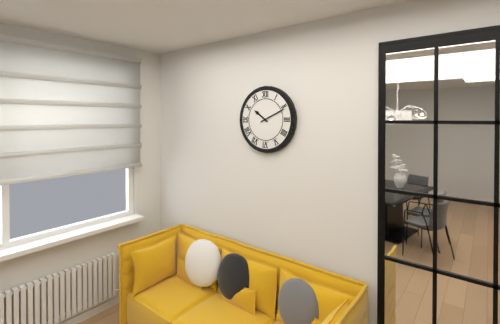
10:11
